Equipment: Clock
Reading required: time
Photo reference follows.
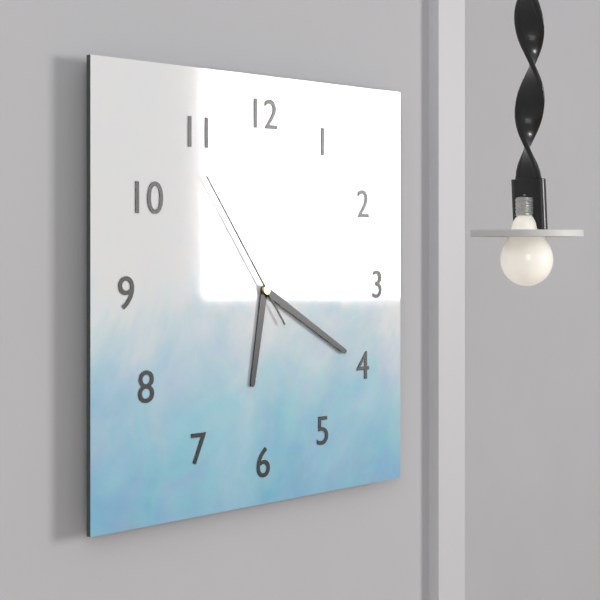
6:20:54
